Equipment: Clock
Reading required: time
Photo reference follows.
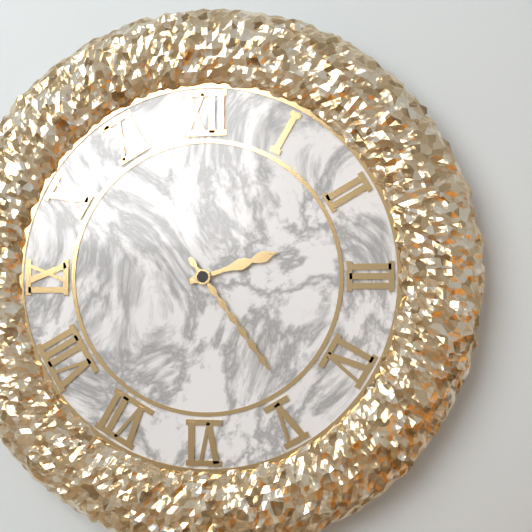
2:24
